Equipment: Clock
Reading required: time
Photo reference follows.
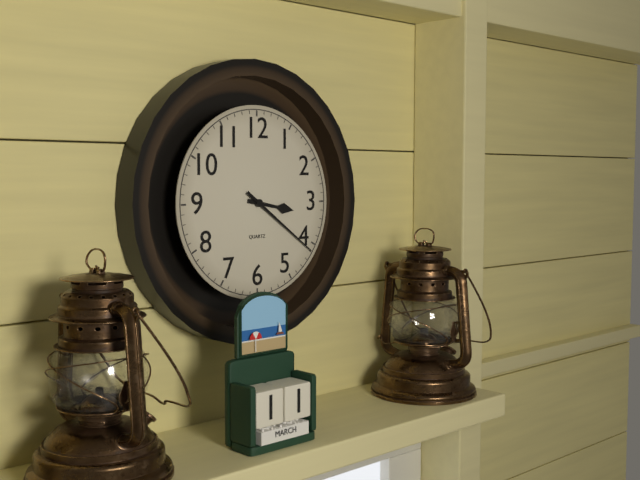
3:21
